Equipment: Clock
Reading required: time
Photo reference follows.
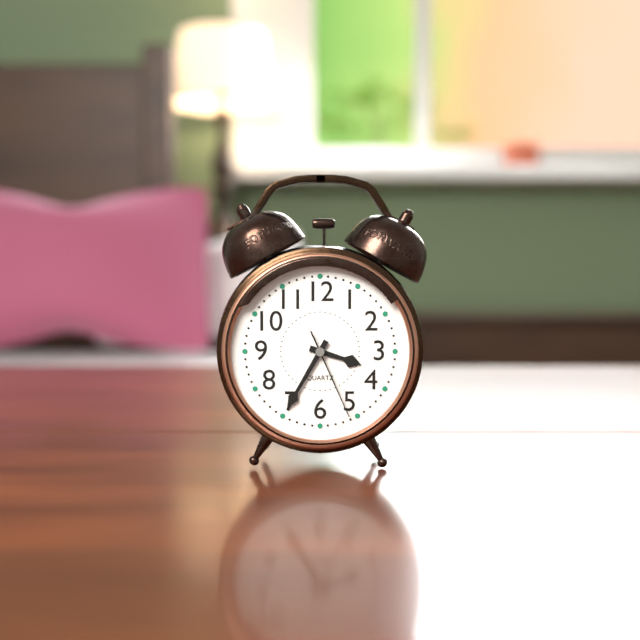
3:35:26
